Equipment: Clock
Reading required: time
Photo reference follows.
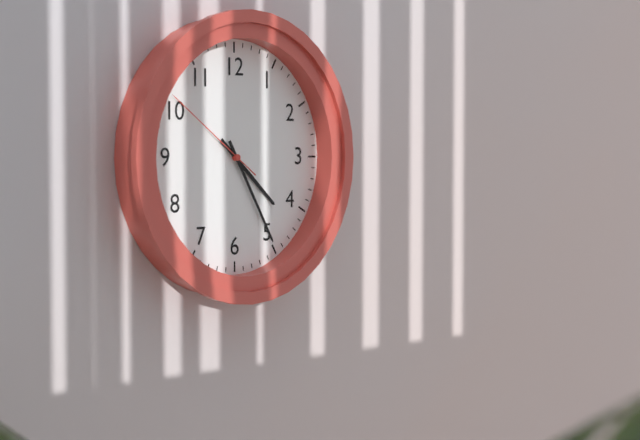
4:25:51
